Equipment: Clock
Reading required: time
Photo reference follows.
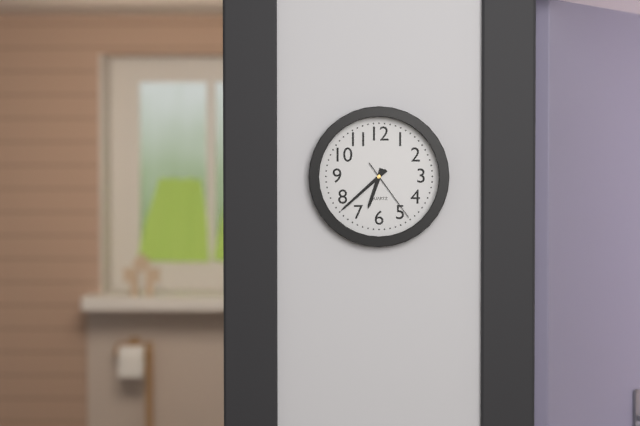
6:38:24
